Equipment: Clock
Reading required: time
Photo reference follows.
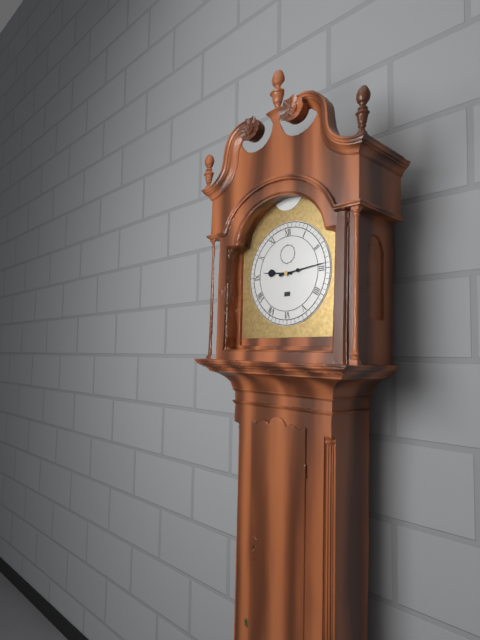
9:14
